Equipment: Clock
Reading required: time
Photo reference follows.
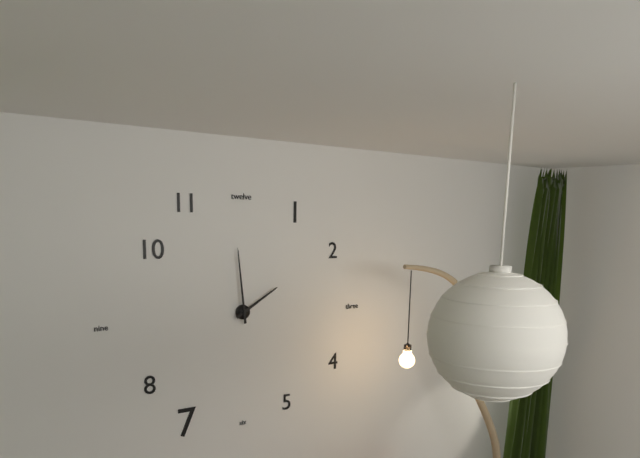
1:59
